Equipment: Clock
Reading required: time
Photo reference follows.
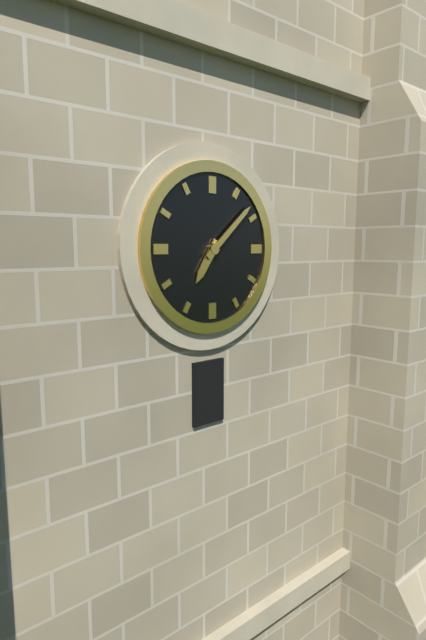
7:08
